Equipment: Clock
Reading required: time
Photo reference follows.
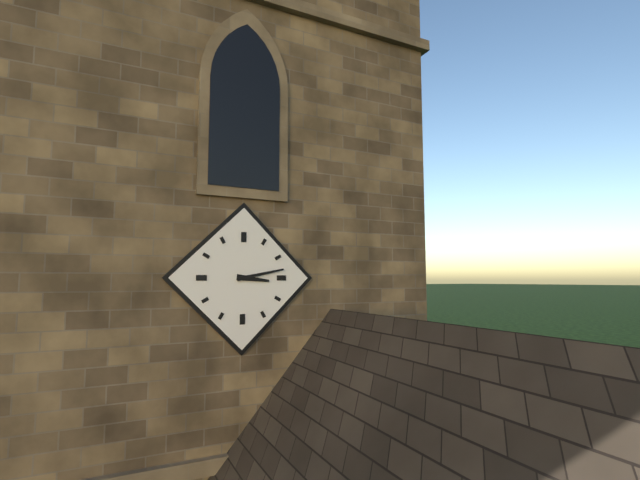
3:13
